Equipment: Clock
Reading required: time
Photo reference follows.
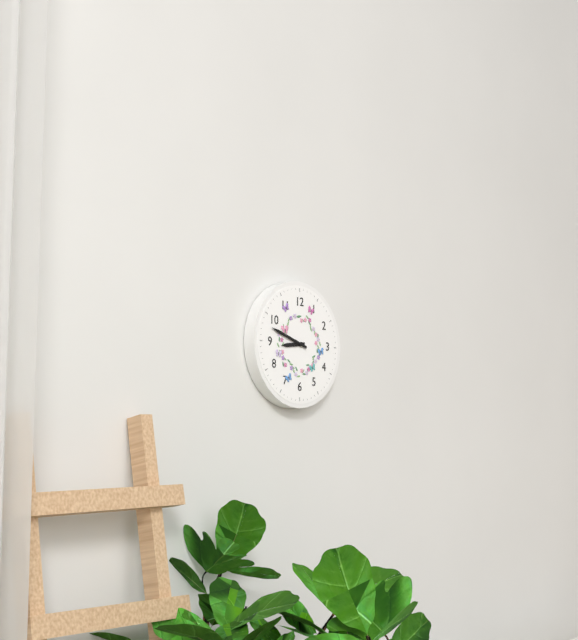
8:48
